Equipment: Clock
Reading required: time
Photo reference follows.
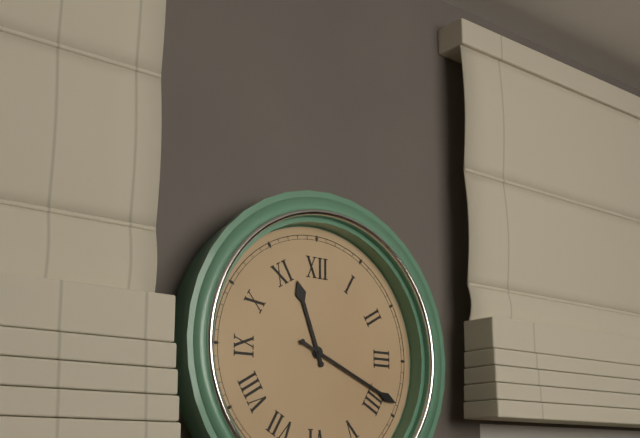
11:19
